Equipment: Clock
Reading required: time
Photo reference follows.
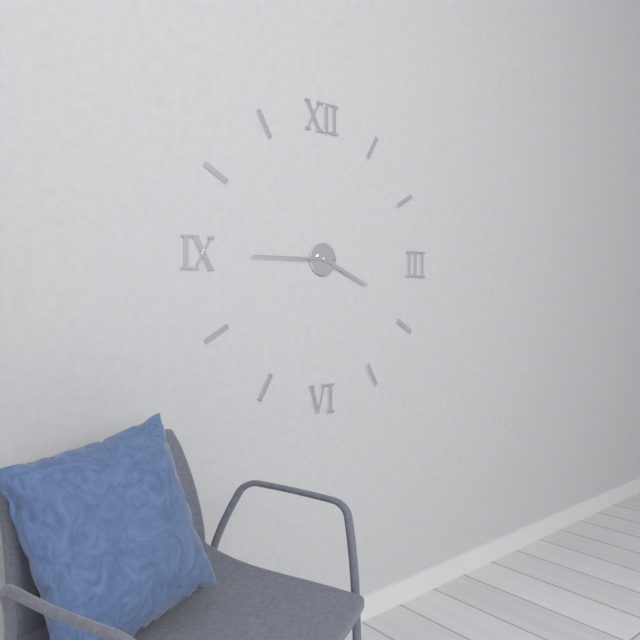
3:45
